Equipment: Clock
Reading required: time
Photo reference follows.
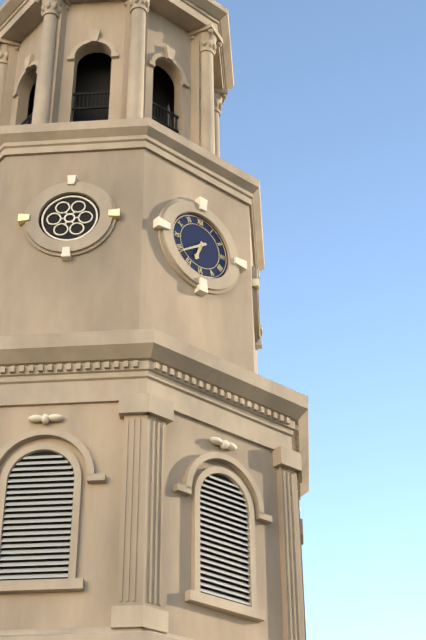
6:39
